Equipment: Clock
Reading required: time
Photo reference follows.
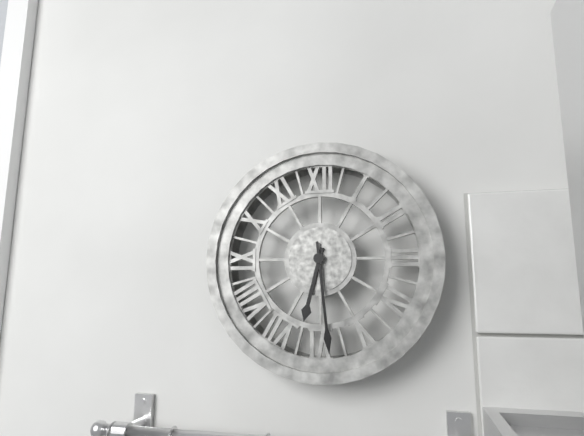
6:29
